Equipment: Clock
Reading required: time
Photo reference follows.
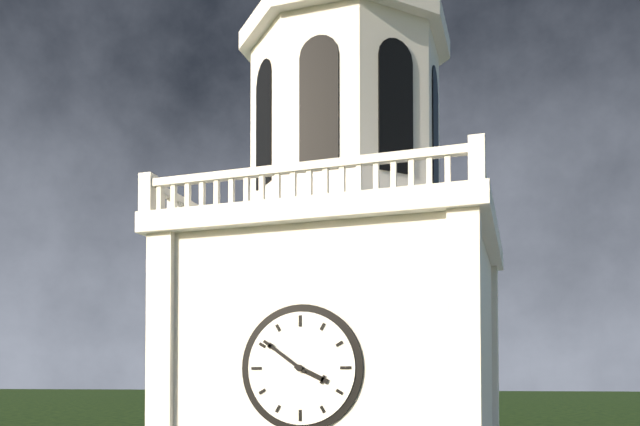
3:51
